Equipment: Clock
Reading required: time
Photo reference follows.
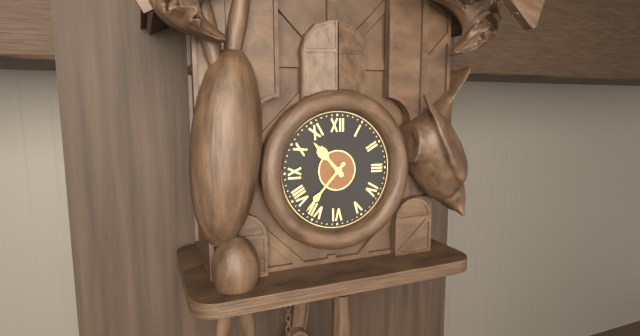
10:37
